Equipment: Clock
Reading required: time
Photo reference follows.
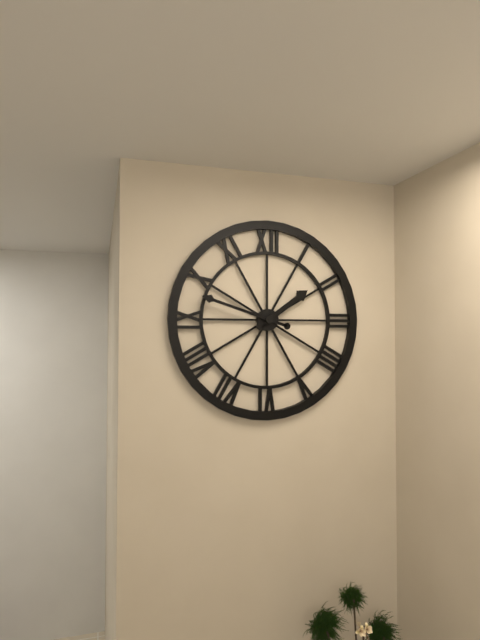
1:48
